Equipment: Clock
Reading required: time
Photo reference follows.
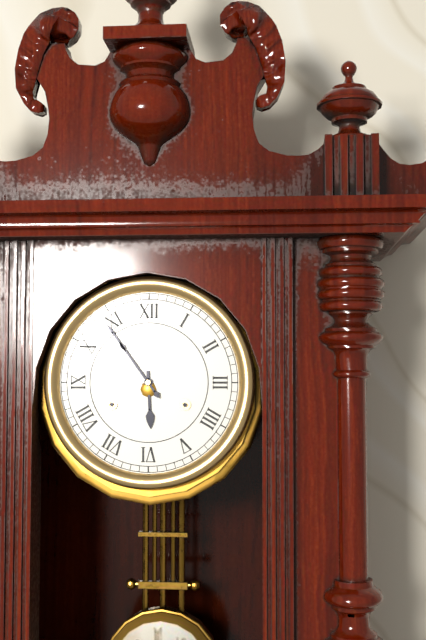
5:54
